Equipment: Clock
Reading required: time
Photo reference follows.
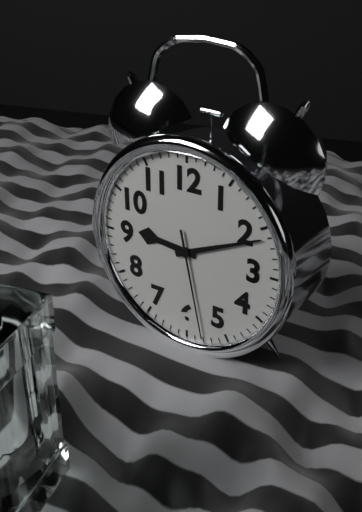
9:11:28
